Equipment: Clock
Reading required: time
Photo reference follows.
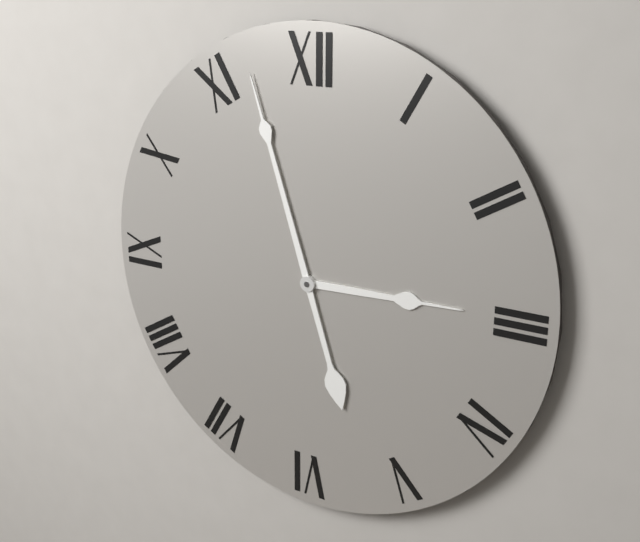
2:57
